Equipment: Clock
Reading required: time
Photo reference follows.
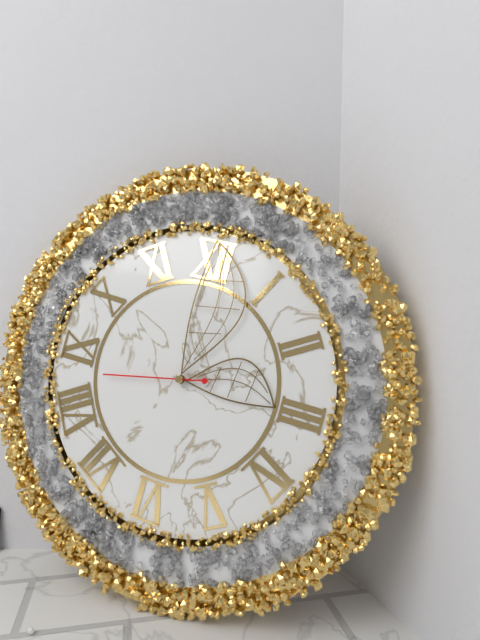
3:00:43
